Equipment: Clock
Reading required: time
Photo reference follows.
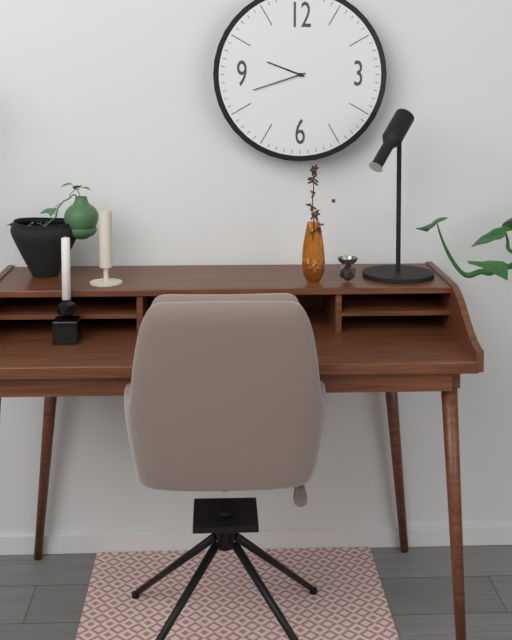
9:42
